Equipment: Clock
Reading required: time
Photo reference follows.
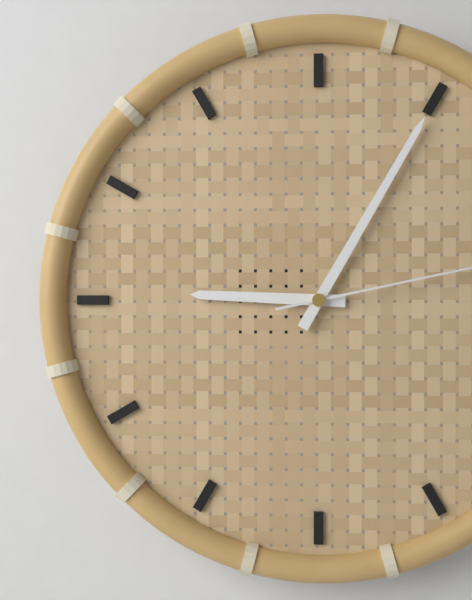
9:05
